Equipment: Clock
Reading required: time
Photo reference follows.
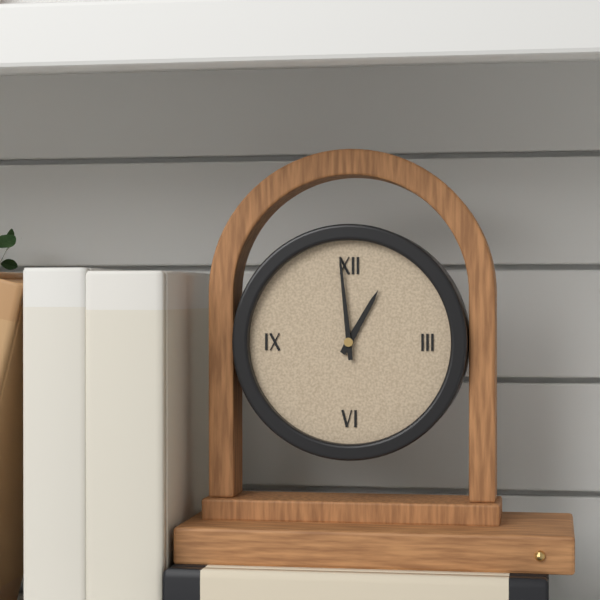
12:59
